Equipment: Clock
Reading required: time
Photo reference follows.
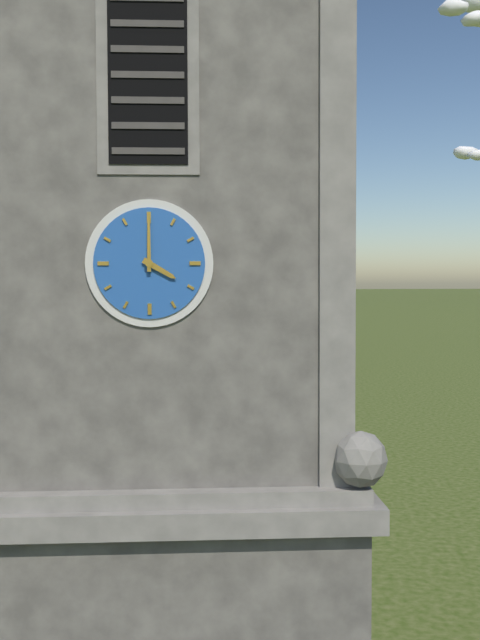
4:00
